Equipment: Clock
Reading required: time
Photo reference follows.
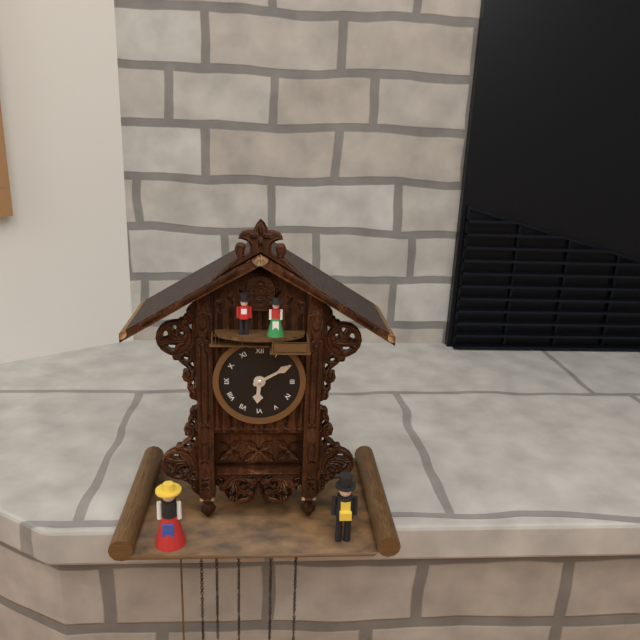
6:10
